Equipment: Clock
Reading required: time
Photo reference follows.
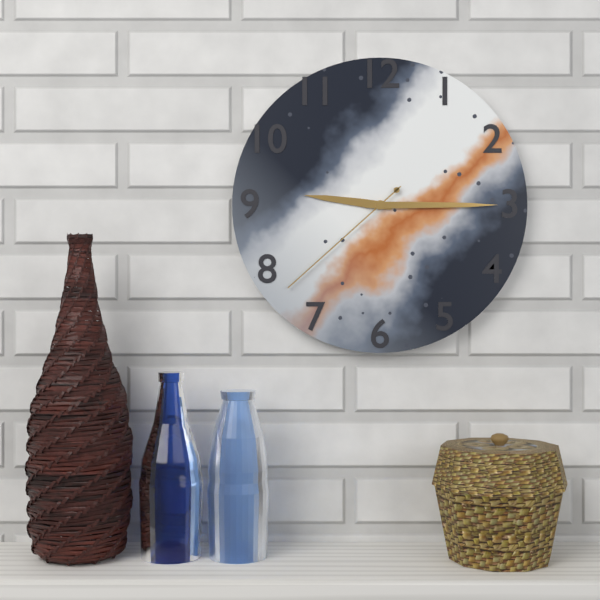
9:15:38
